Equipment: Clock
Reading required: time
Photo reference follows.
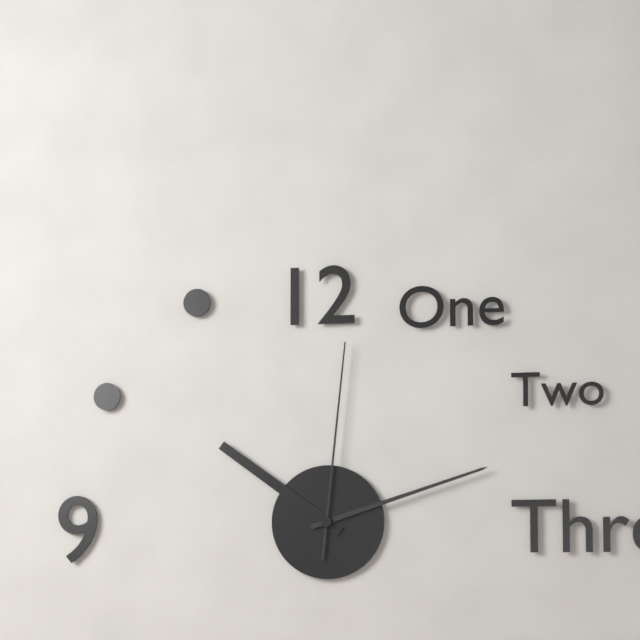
10:12:01
